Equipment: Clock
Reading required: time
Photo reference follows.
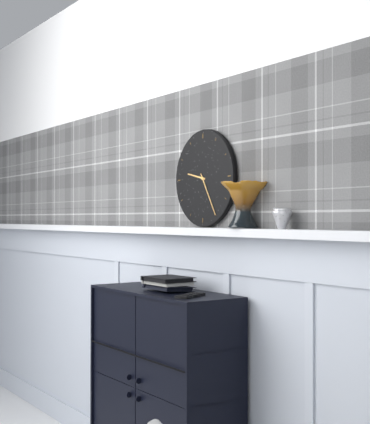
9:25
